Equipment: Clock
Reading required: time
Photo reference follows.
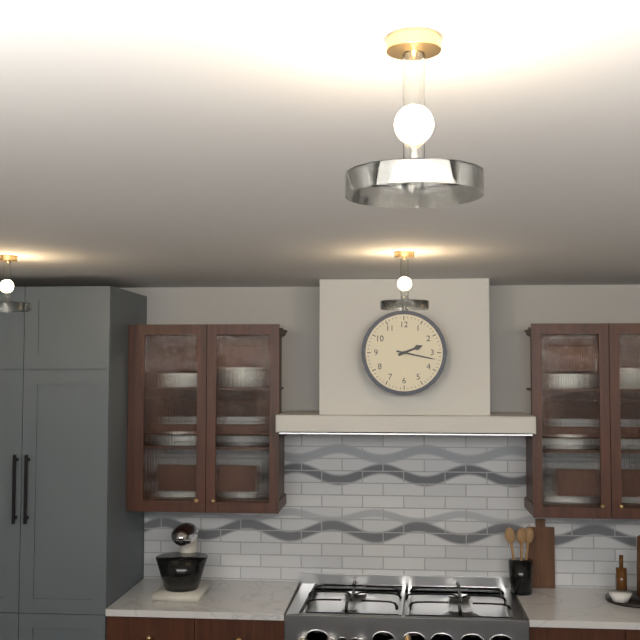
2:17
